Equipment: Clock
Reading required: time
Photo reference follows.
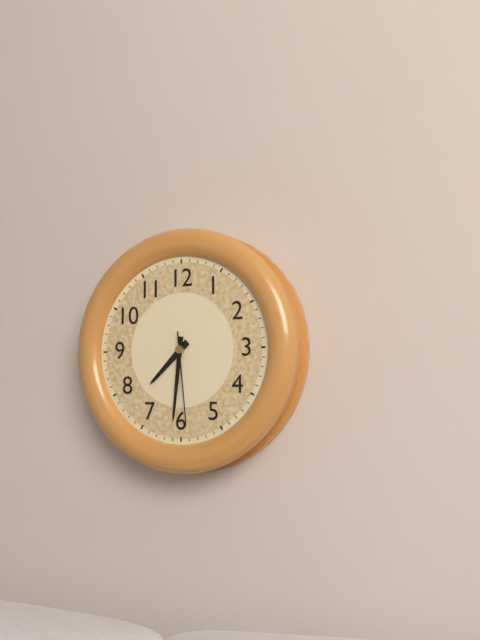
7:31:29
